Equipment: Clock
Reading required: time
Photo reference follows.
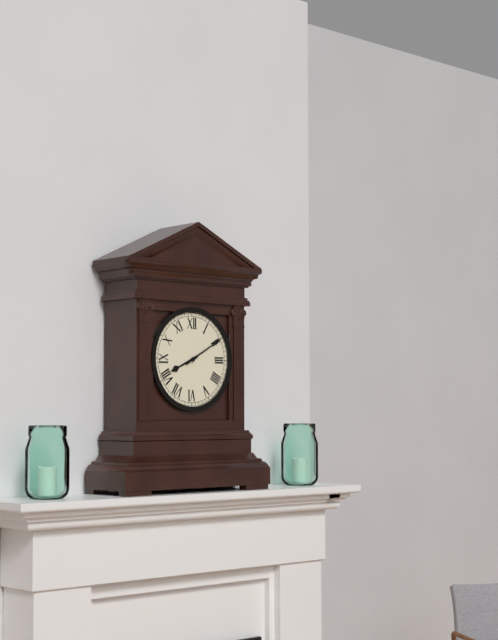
8:10
